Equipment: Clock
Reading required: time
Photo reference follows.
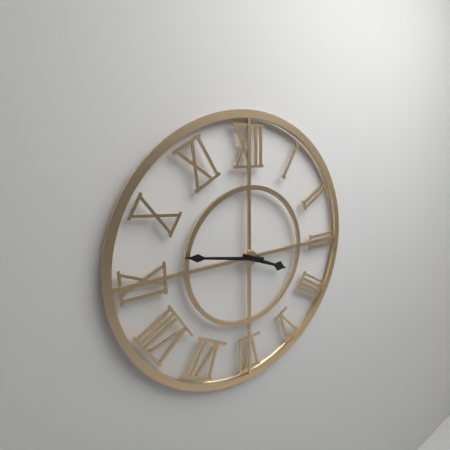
3:47
